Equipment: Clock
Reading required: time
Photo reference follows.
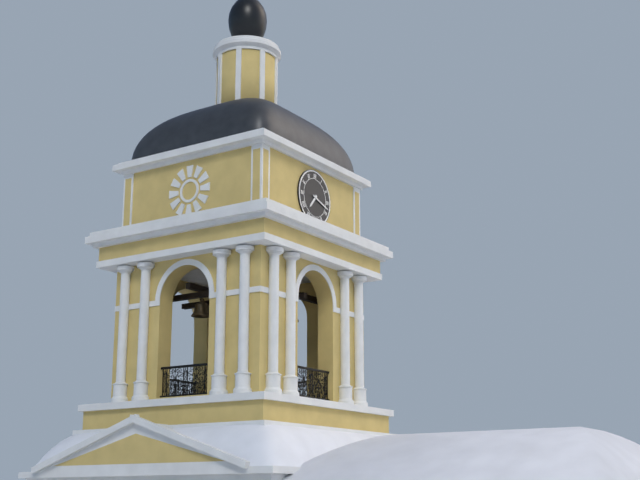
7:18
